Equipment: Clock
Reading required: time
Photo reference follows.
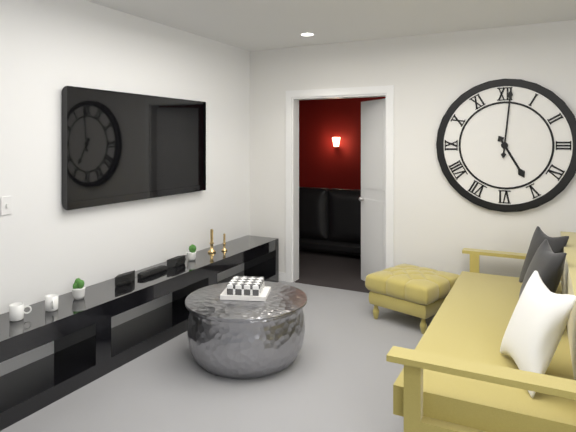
5:01
